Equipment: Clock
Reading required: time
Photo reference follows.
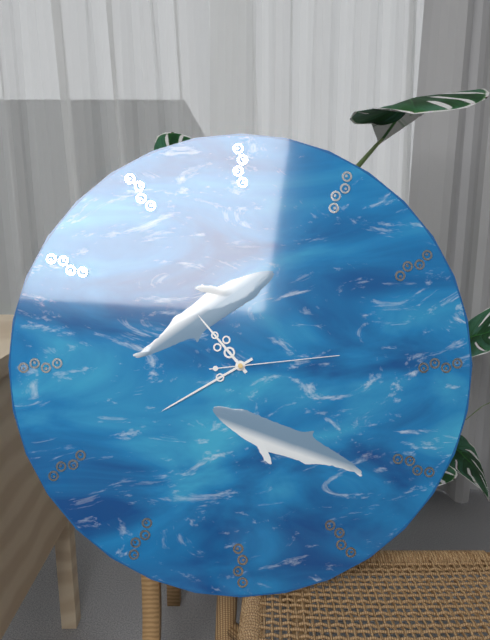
10:40:14
